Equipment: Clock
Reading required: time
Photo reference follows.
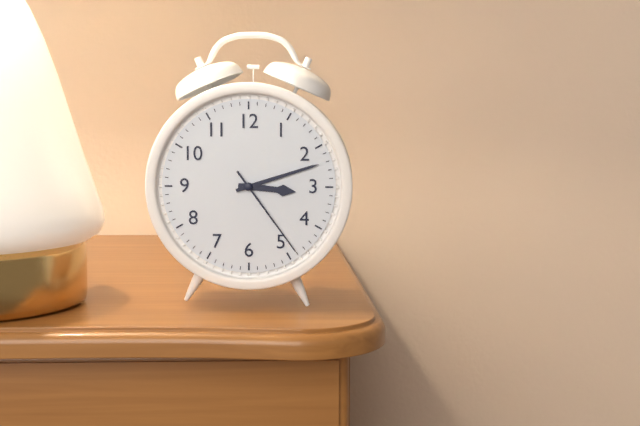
3:12:24
